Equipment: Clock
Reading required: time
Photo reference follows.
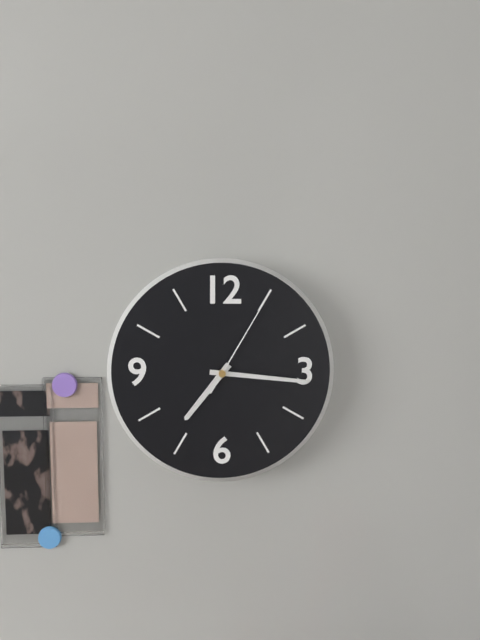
7:16:05
